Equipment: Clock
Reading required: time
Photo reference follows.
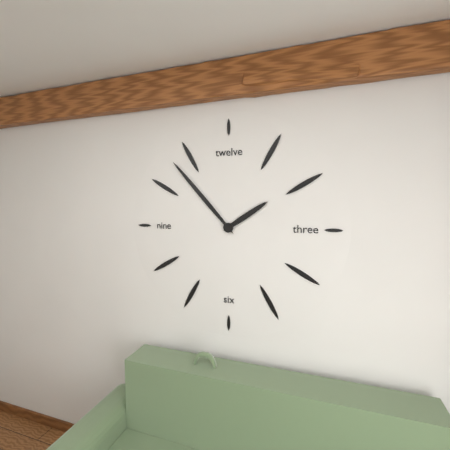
1:53
